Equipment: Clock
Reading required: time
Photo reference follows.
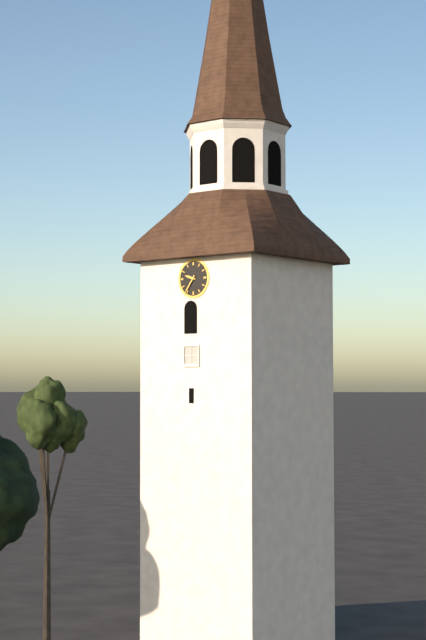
9:36
